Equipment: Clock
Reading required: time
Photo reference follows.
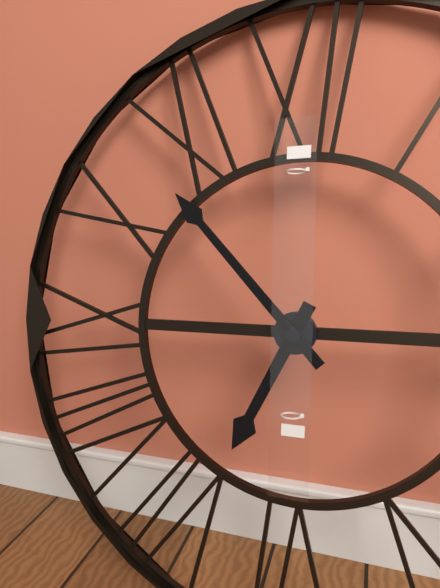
6:53
